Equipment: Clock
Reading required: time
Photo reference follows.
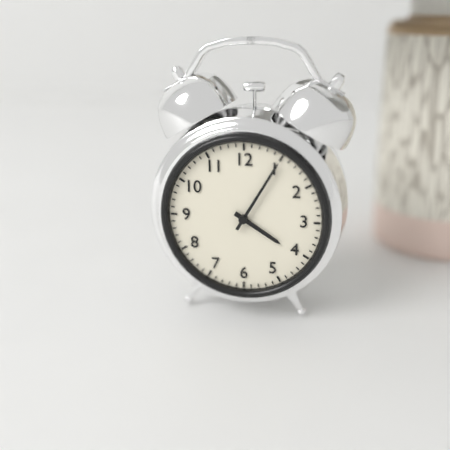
4:05
